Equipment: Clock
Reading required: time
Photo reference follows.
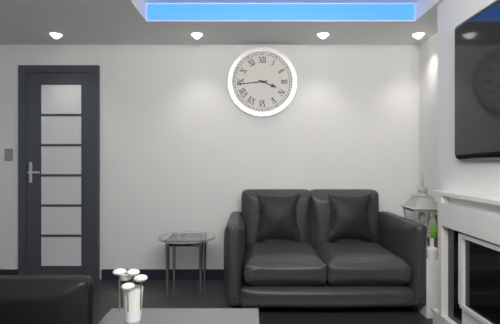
3:44
